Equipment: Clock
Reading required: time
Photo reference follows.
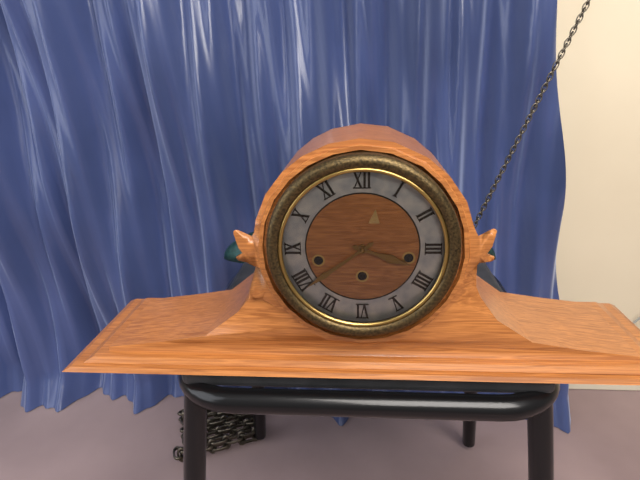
3:39
